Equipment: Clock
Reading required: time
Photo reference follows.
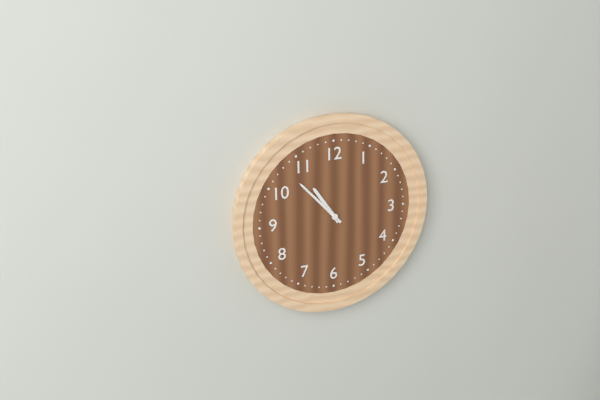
10:53
